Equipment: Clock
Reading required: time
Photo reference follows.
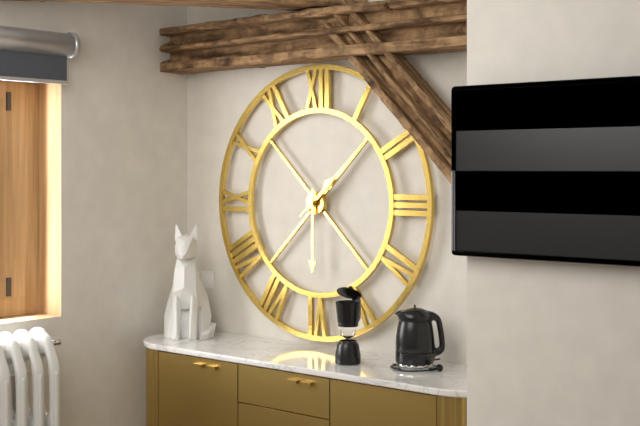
1:30:08
